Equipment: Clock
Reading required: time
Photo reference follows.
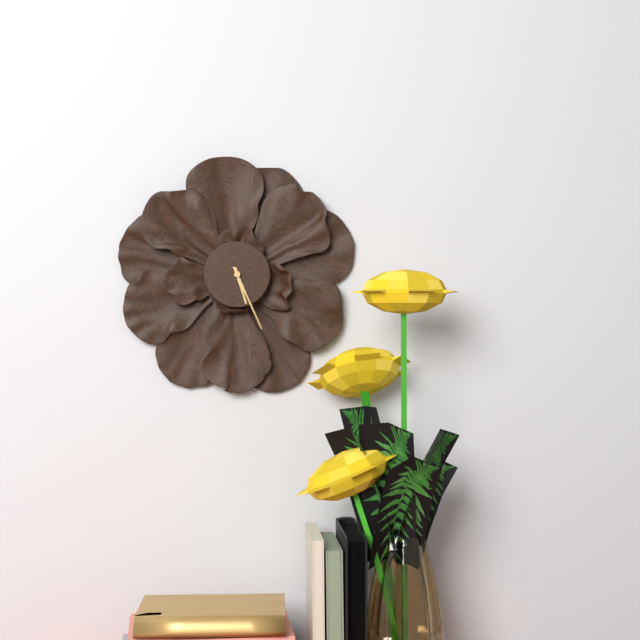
5:26
